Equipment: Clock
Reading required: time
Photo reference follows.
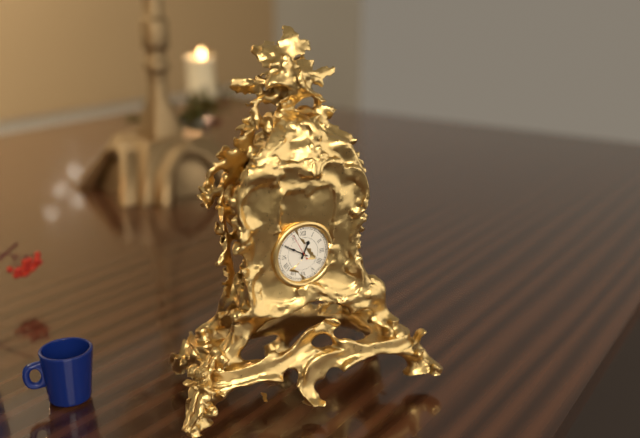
12:50
